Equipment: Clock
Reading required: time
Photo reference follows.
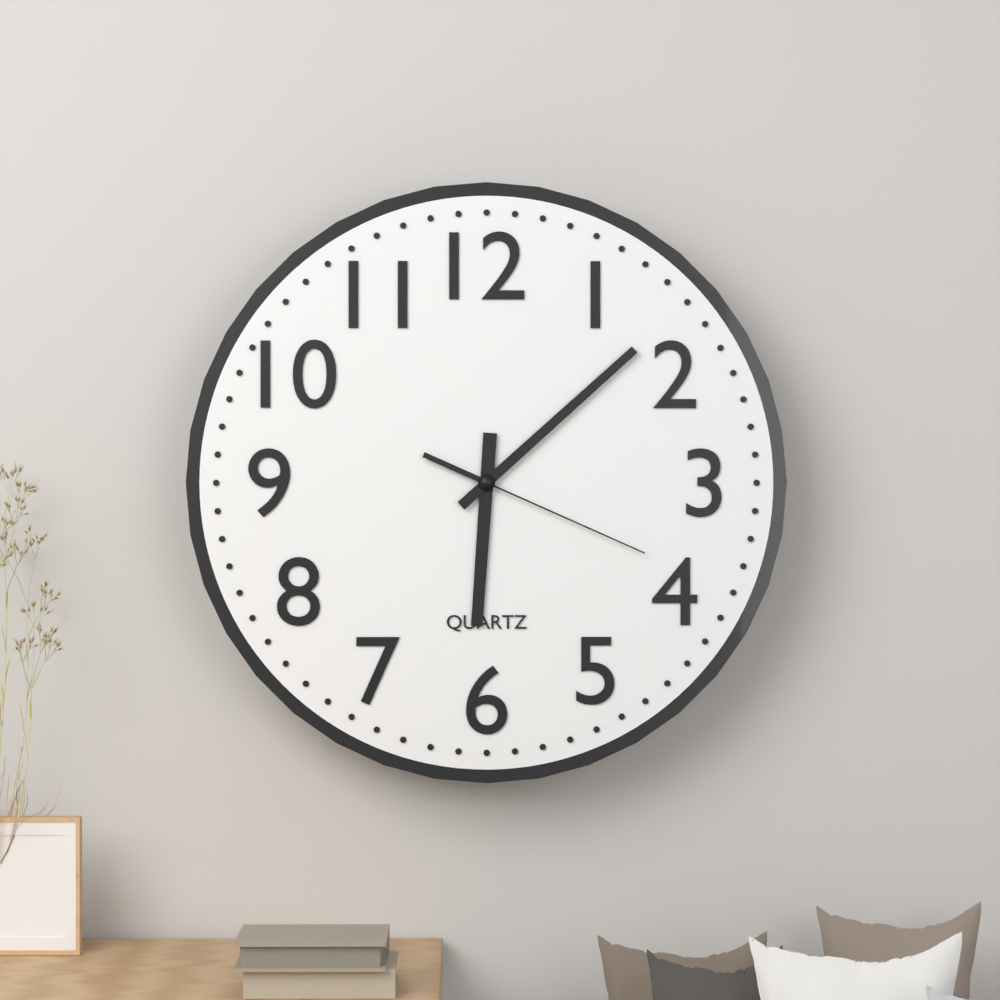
6:08:19
